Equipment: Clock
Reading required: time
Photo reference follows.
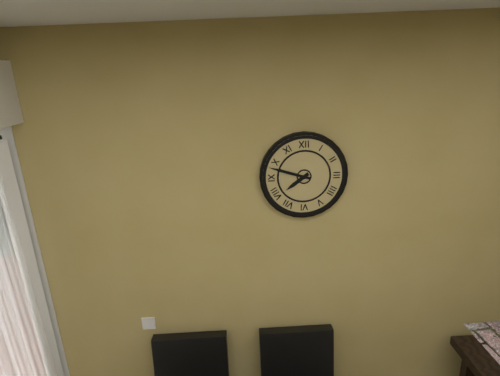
7:48
